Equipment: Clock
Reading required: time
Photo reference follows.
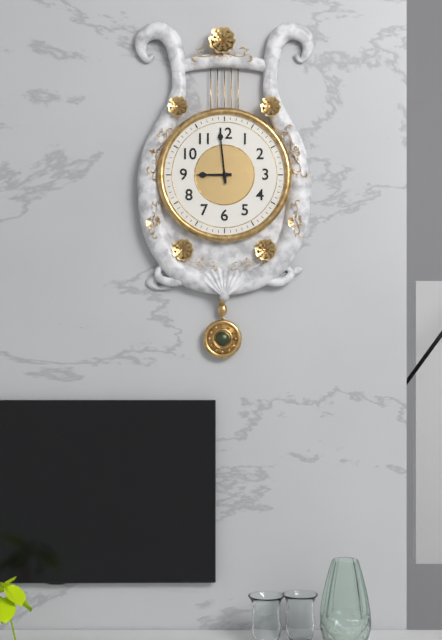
8:59
